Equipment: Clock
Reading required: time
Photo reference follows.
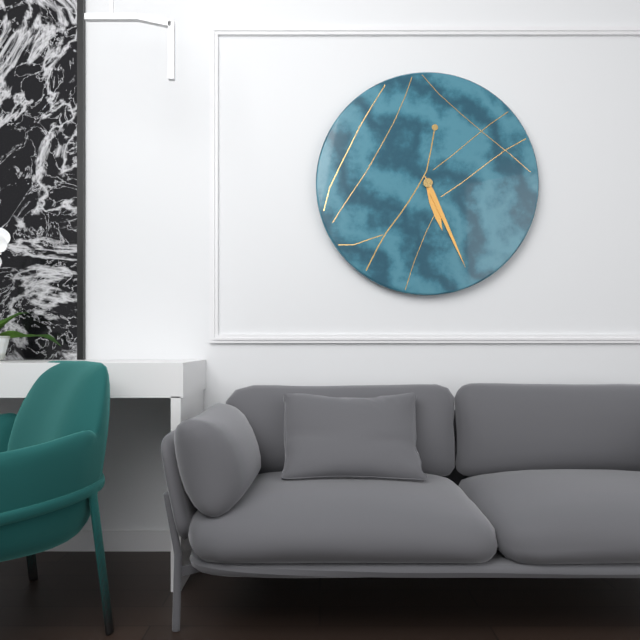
5:26
